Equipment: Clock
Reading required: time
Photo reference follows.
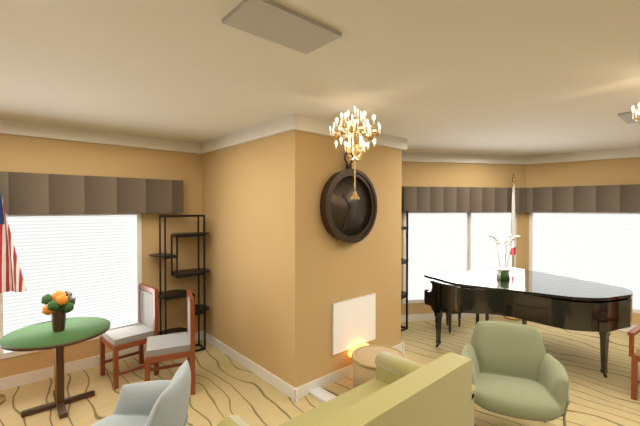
10:34
